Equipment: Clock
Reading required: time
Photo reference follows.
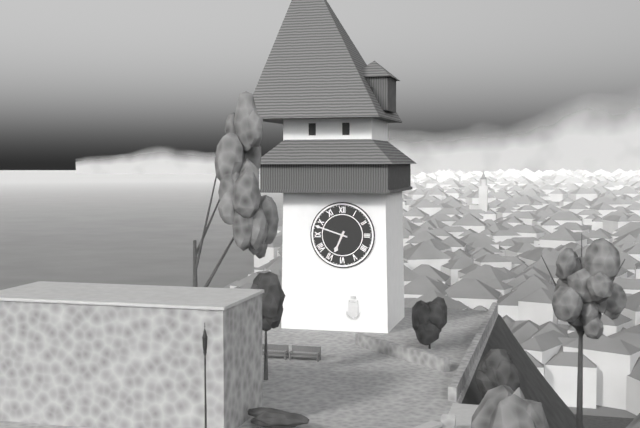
6:48
